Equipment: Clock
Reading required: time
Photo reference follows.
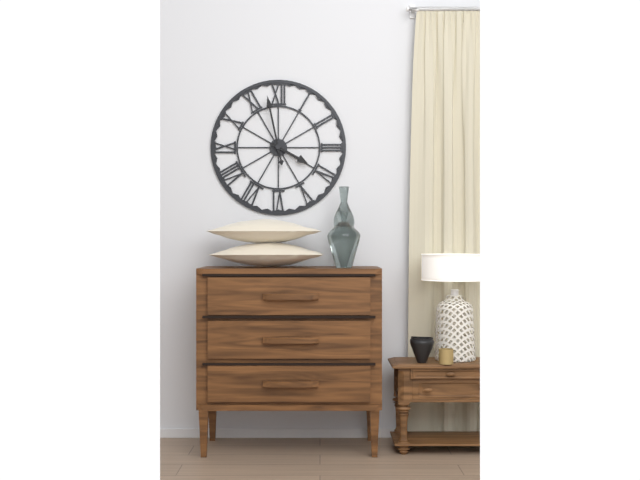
3:58
